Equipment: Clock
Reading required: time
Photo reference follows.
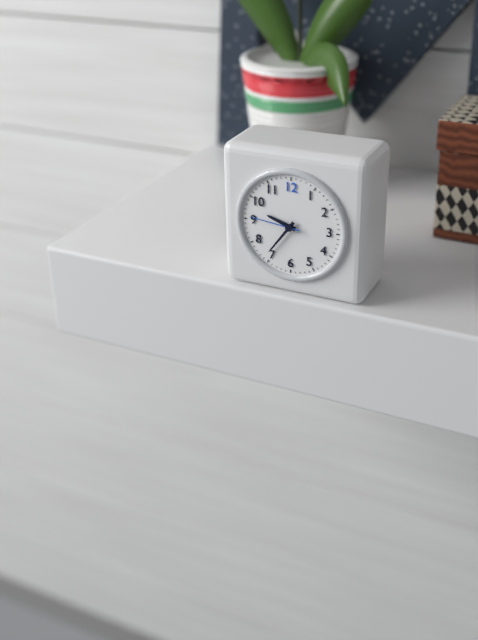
9:36:46
